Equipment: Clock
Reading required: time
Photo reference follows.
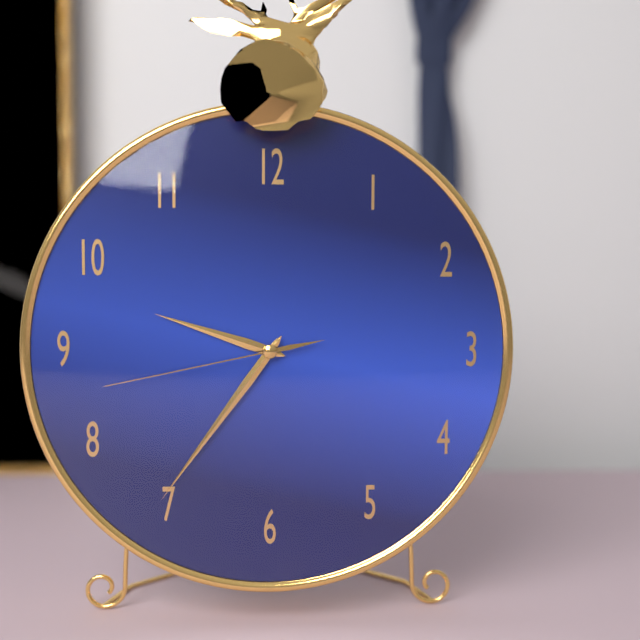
9:36:43
